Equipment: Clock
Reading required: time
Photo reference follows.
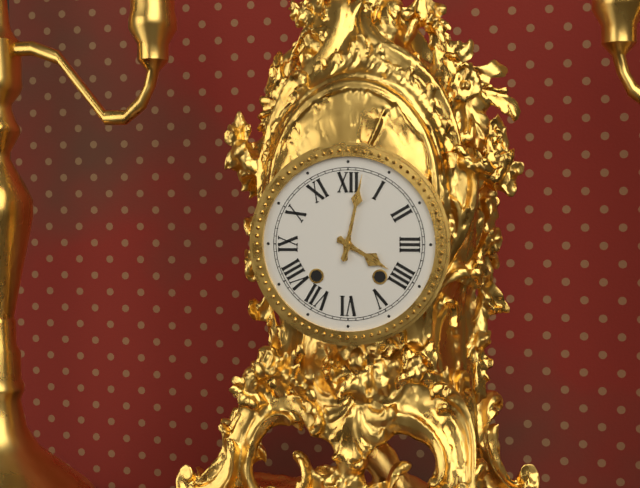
4:02
